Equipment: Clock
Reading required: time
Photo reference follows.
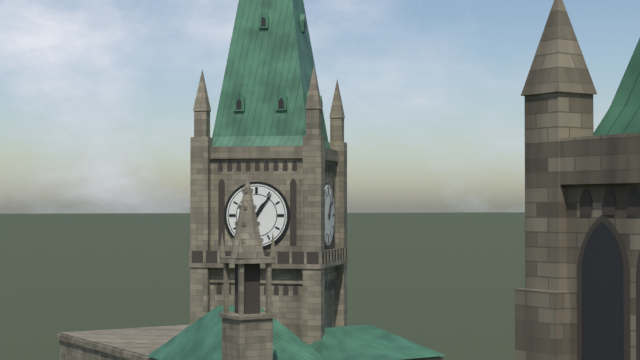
1:06
